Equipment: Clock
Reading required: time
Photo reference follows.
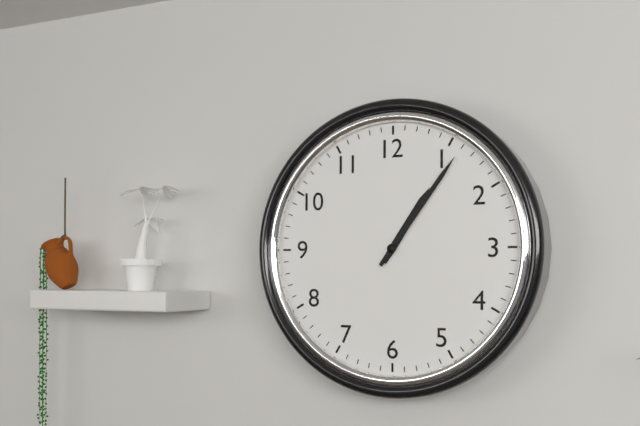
1:06
